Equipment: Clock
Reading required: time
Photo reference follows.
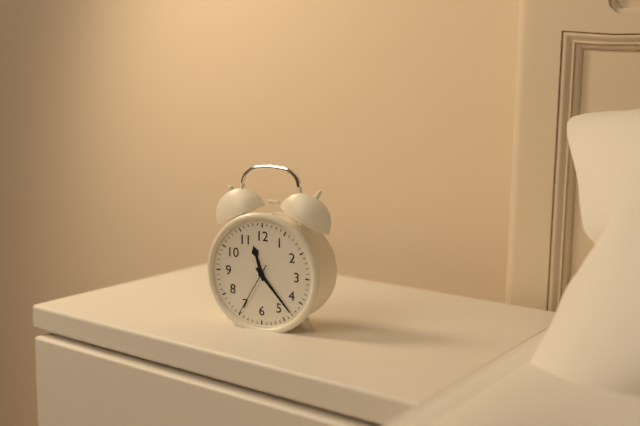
11:23:35
